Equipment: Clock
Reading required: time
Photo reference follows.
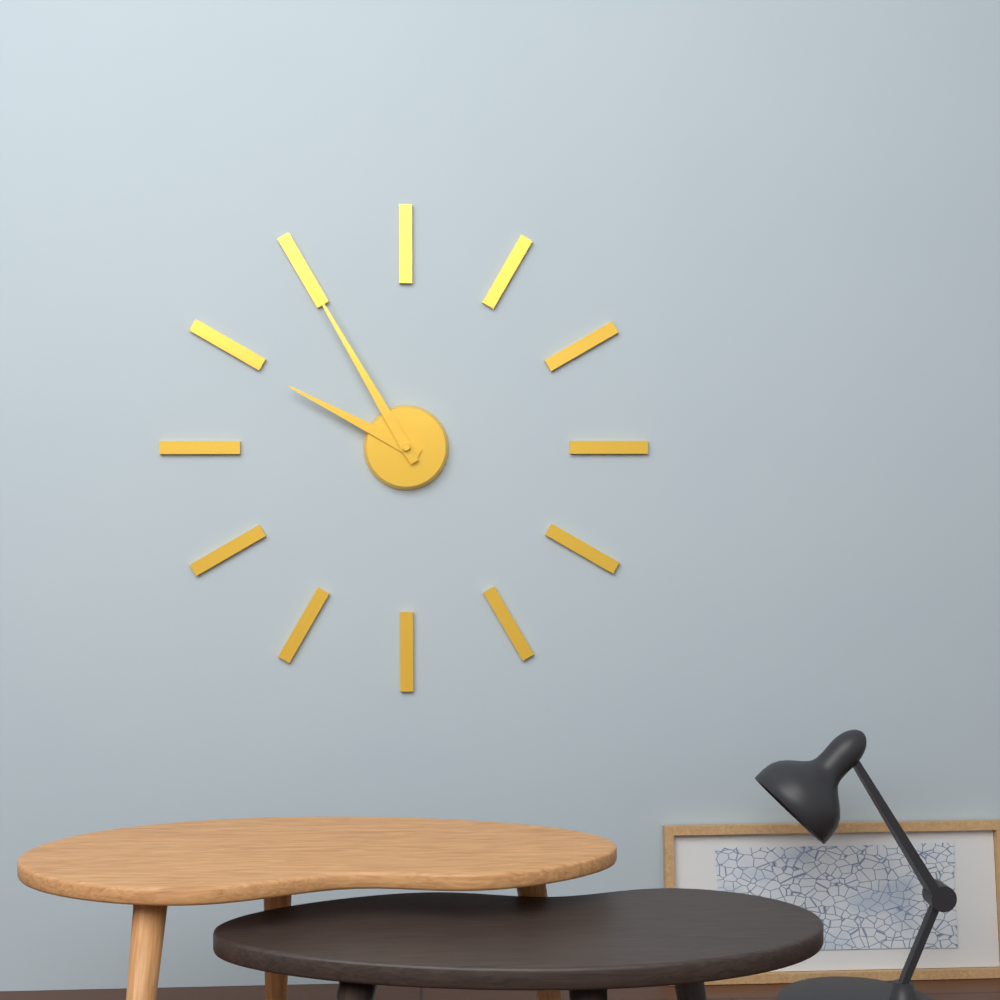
9:55
